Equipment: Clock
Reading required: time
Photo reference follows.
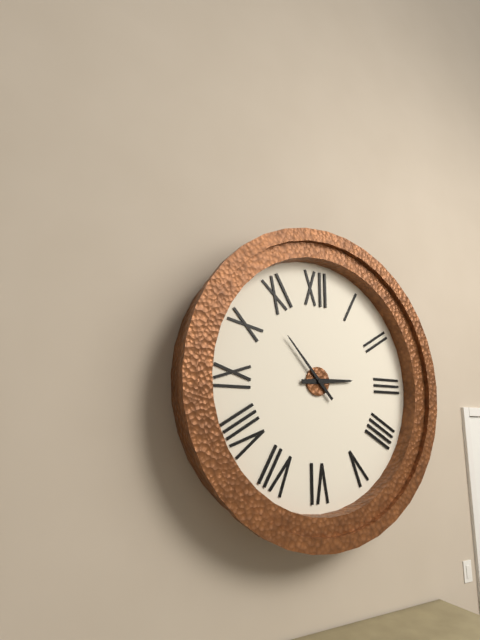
2:53
